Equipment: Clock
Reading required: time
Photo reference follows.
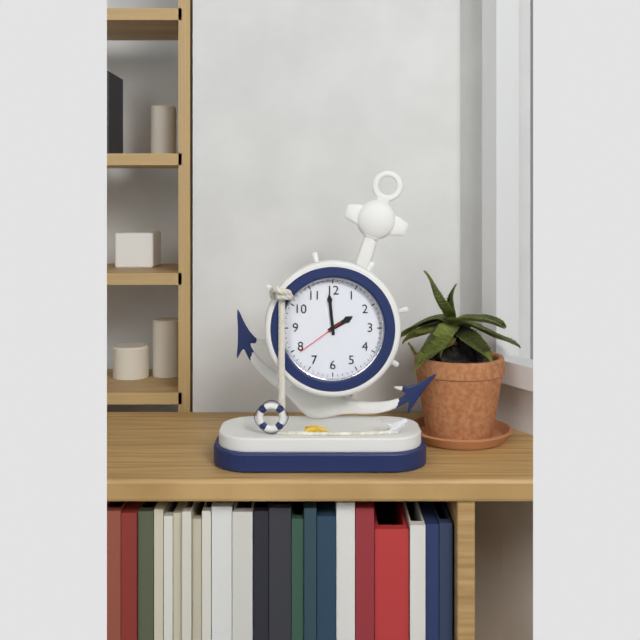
1:59:39
